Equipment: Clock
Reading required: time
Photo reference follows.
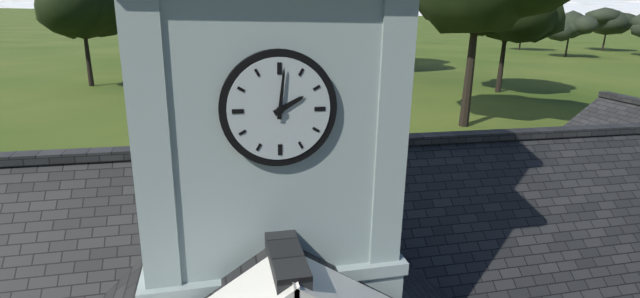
2:01
